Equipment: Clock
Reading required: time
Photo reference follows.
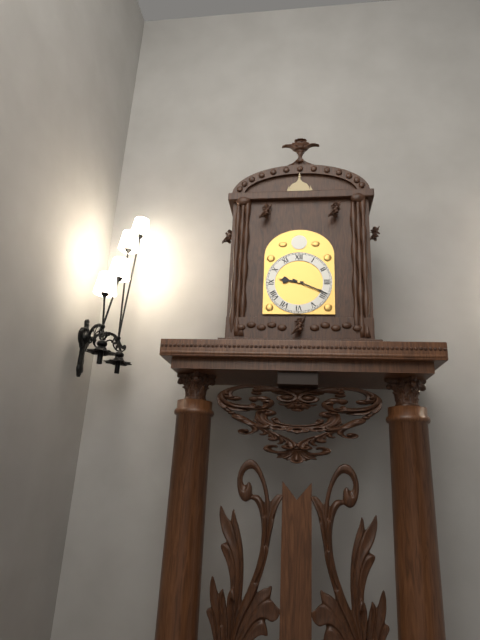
9:19
